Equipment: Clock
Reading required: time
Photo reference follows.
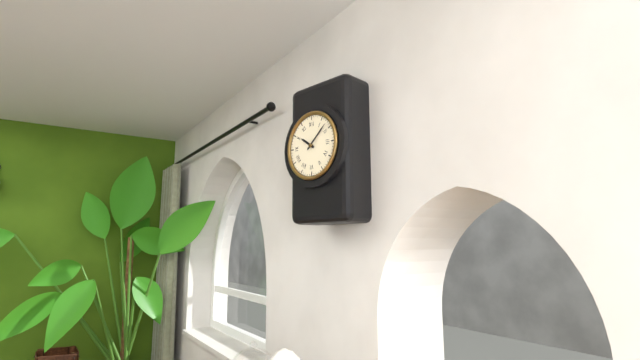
10:08
